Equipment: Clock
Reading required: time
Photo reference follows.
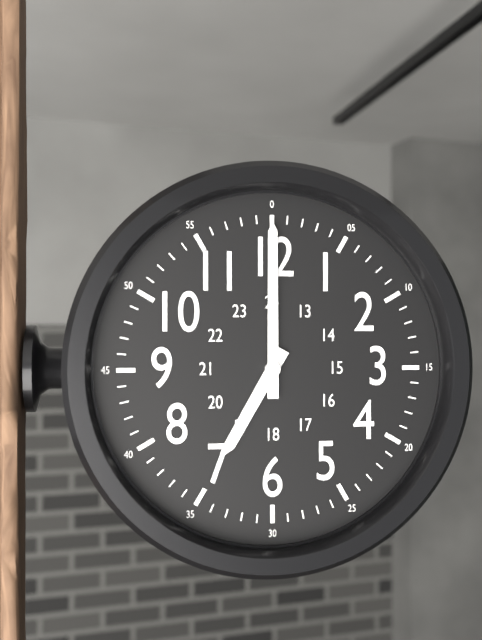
7:00
